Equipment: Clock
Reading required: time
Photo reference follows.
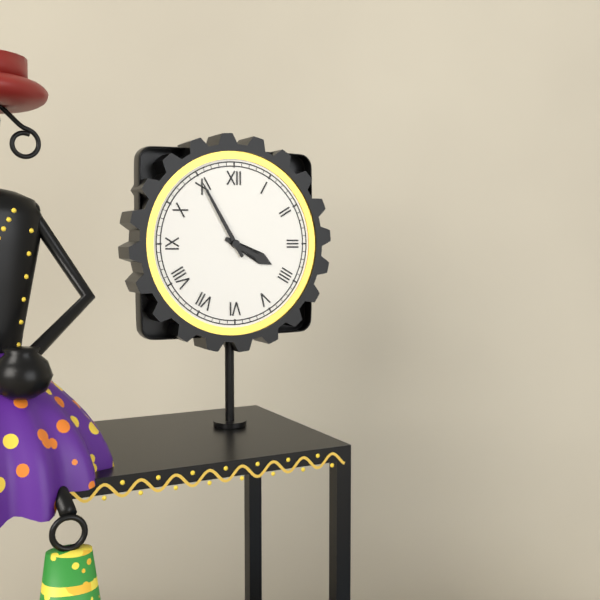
3:55
